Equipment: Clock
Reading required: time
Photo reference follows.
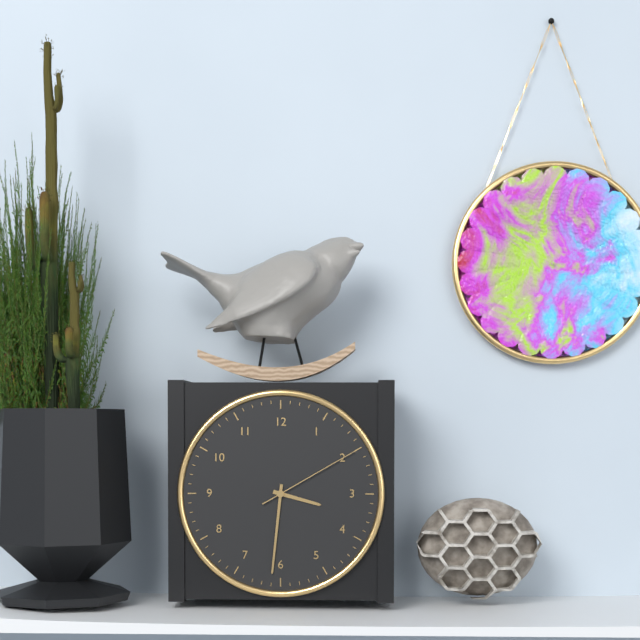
3:31:10
